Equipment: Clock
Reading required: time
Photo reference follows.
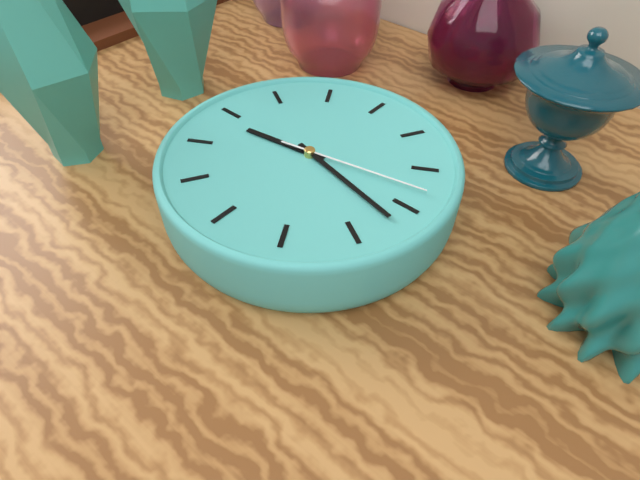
1:42:38
